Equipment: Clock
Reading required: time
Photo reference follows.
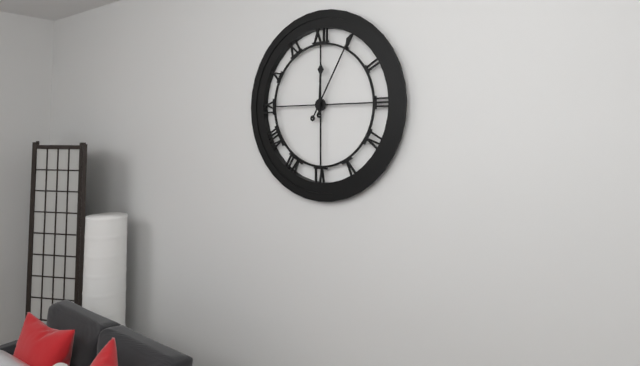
12:05
